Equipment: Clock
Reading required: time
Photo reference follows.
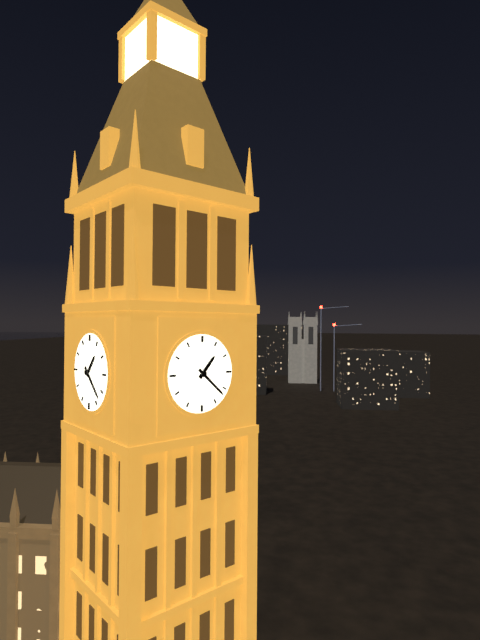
1:22
